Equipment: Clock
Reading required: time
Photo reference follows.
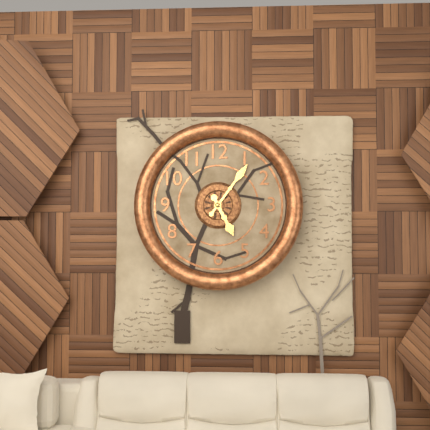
5:06
